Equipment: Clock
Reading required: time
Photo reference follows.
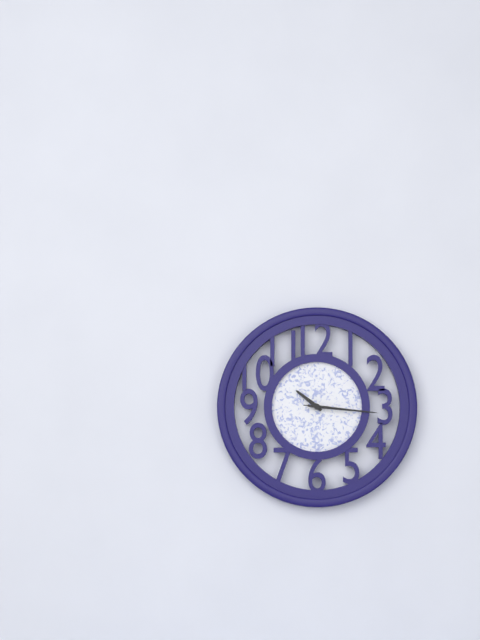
10:16:16
